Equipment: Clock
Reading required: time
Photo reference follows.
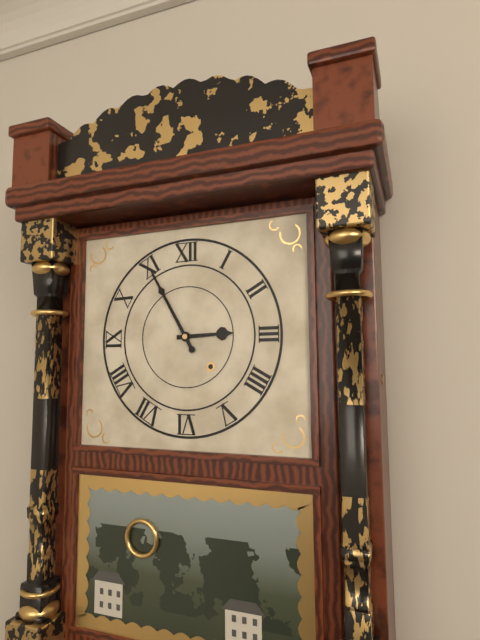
2:55
